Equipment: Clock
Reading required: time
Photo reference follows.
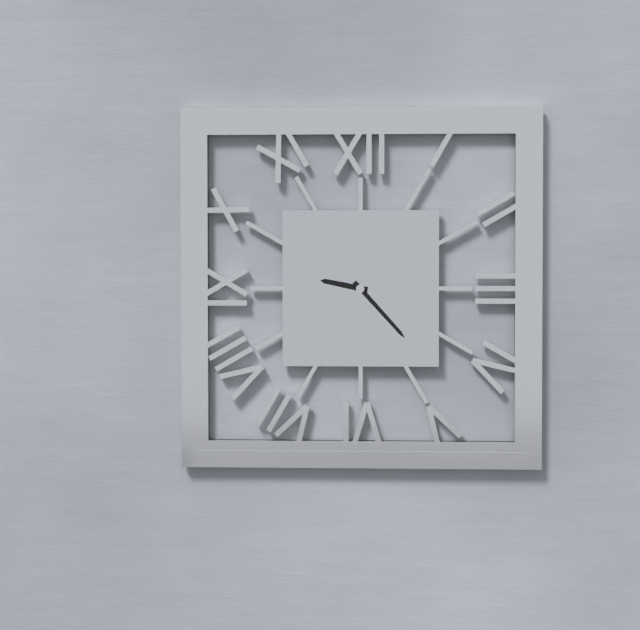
9:23
